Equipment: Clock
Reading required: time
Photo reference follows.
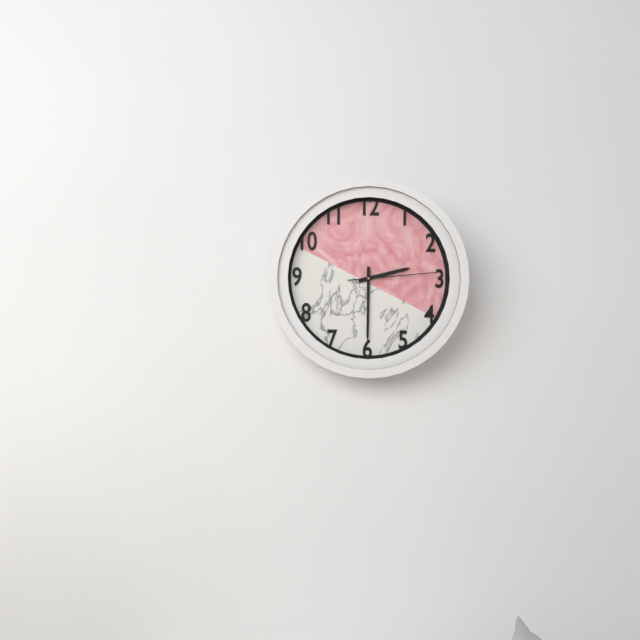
2:30:14
